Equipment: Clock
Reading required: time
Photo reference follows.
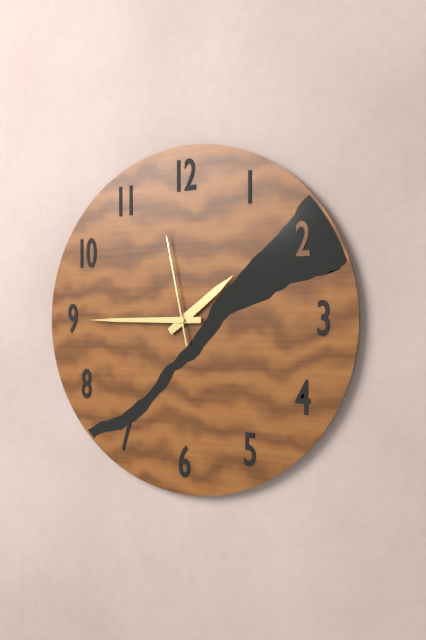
1:45:58
